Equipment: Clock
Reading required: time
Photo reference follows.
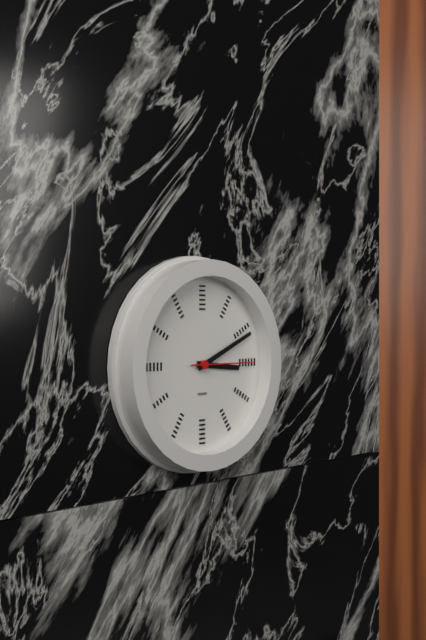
3:11:15
